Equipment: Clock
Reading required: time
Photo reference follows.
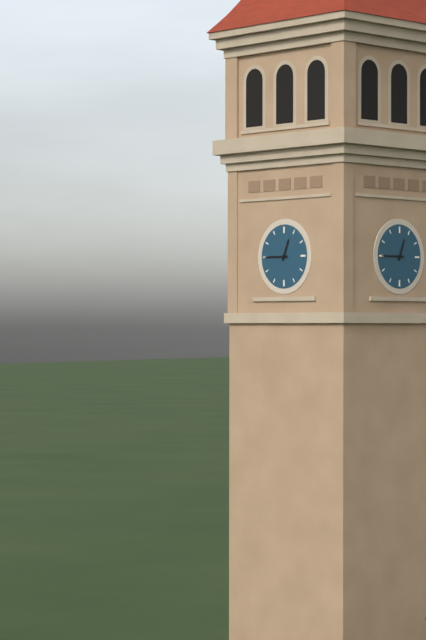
12:45
